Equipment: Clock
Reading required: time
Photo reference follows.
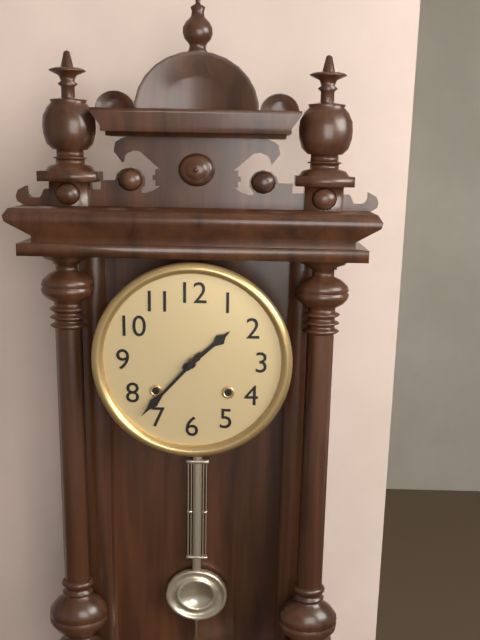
1:37
